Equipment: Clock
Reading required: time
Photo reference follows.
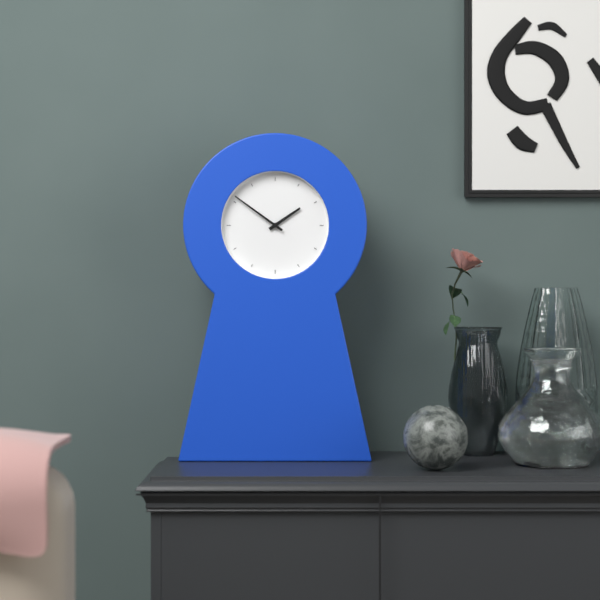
1:51
